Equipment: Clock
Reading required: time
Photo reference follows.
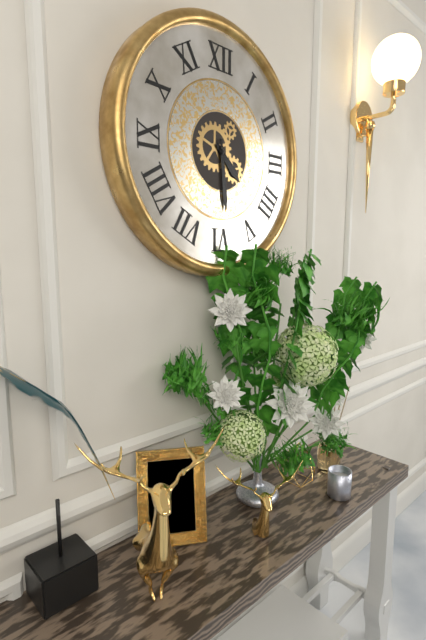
4:29
